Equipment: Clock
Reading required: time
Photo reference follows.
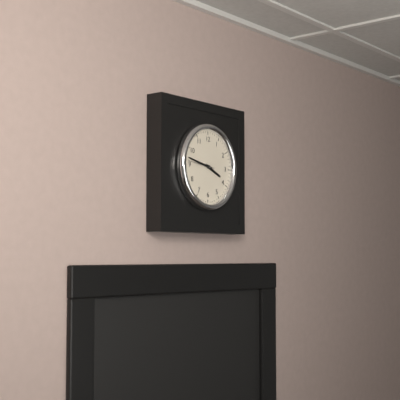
3:47
